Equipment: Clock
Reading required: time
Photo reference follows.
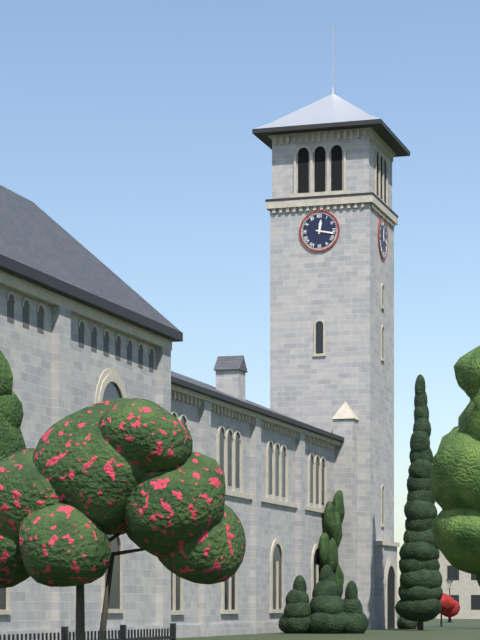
12:17
